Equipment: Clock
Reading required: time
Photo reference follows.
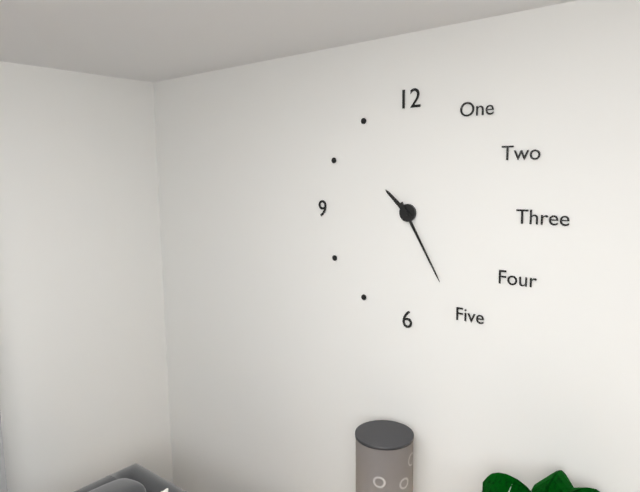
10:25
